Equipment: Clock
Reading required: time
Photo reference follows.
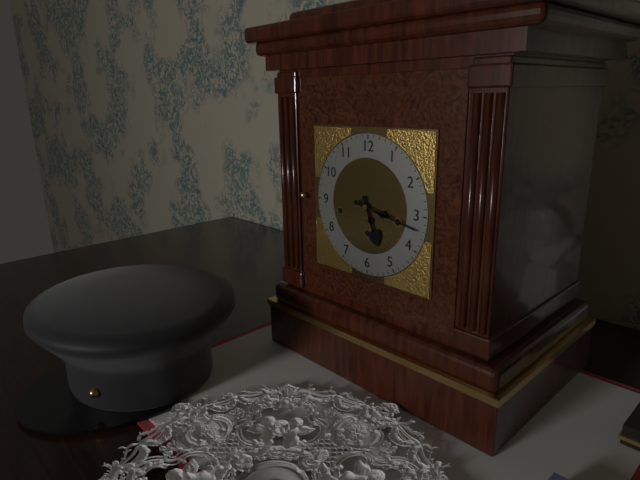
5:17
